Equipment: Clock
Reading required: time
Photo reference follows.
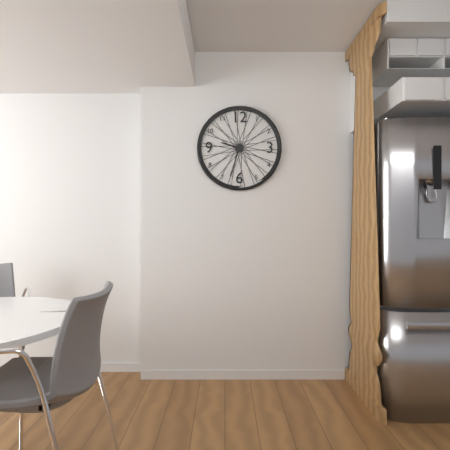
9:33
